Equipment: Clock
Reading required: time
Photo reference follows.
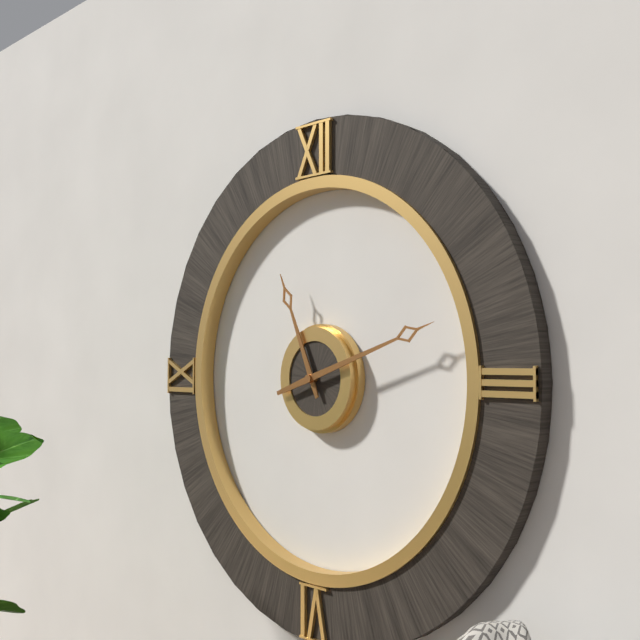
11:12
